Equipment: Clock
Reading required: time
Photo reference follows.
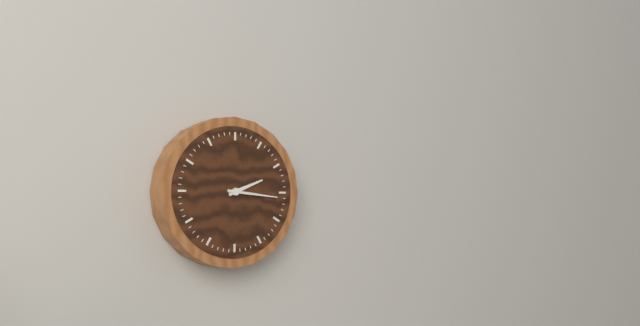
2:16
